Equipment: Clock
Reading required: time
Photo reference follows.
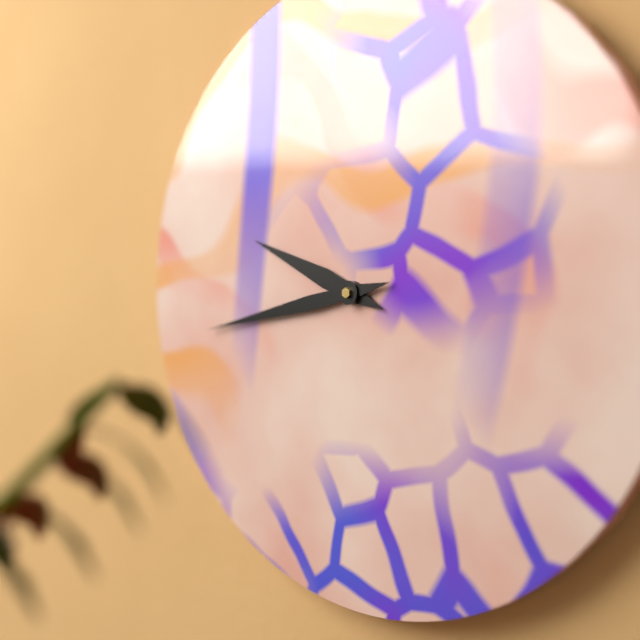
9:43
